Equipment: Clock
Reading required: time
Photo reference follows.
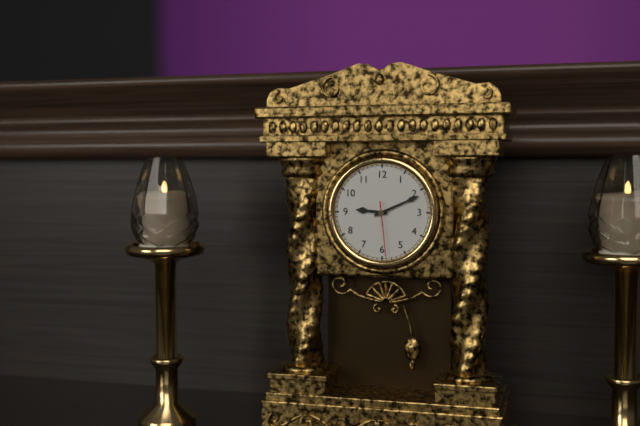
9:11:29
